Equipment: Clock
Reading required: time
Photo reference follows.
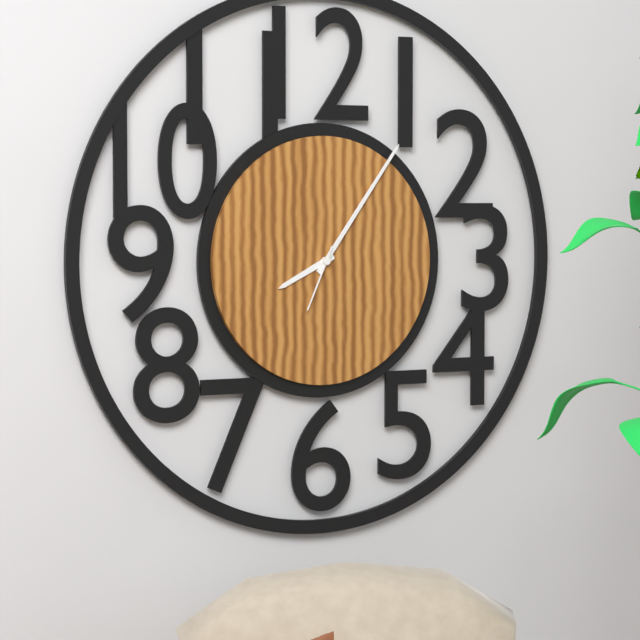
8:06:34
